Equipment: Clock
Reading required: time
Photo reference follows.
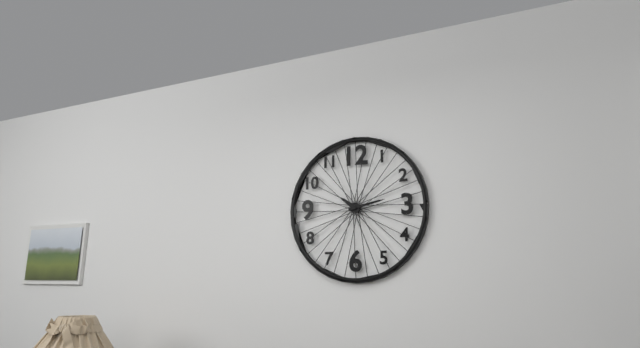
10:13
